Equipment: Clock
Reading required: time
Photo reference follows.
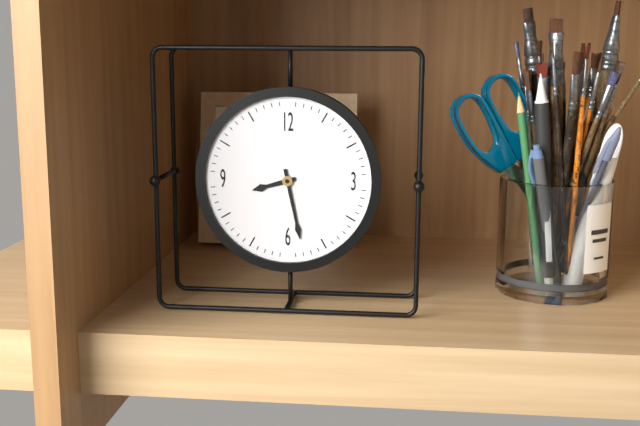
8:28
